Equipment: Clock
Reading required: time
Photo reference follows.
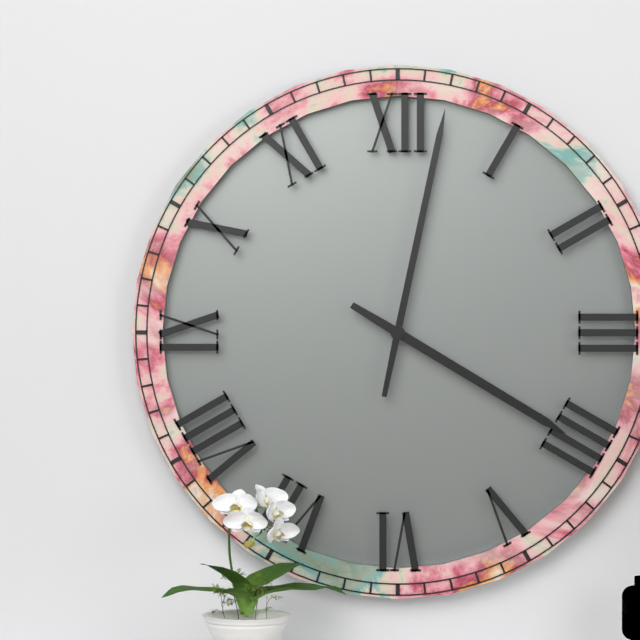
4:02
